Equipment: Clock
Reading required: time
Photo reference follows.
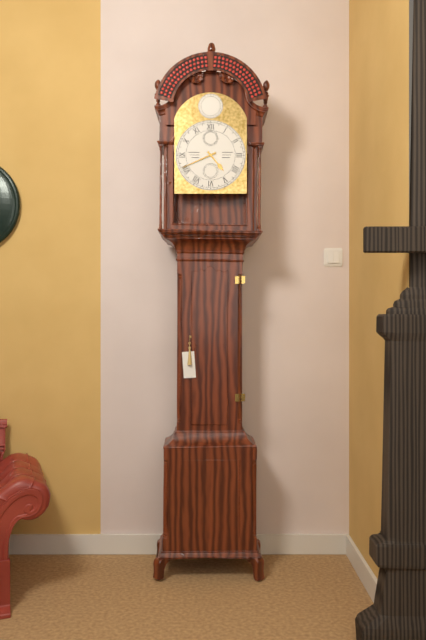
4:41
